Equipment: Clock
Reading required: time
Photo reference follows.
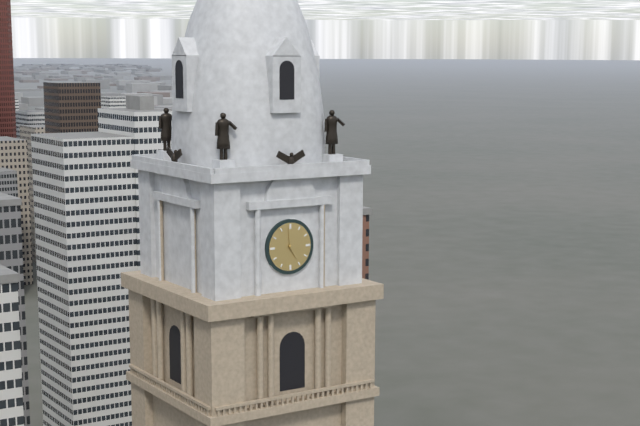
4:59
